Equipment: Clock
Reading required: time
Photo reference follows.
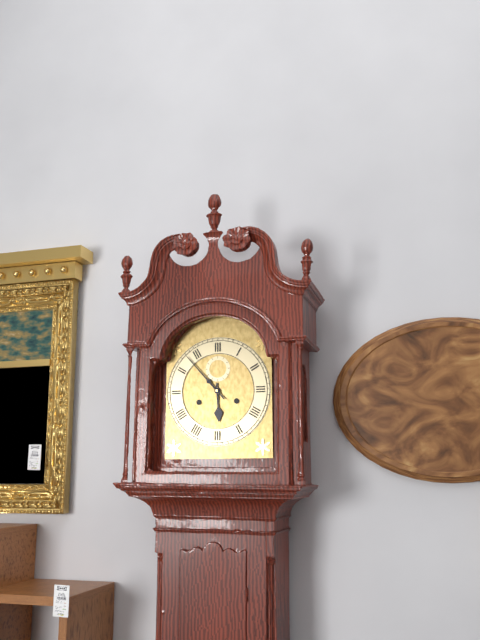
5:53
